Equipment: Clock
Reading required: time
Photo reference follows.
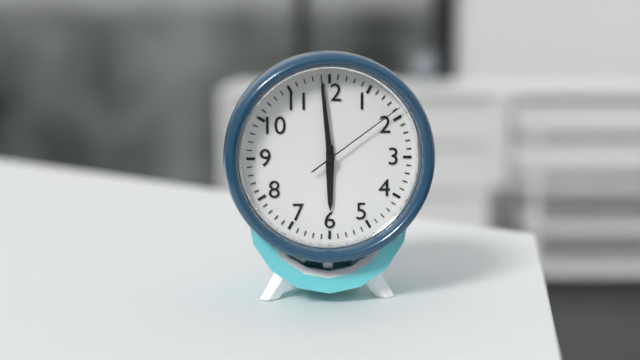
5:59:09
